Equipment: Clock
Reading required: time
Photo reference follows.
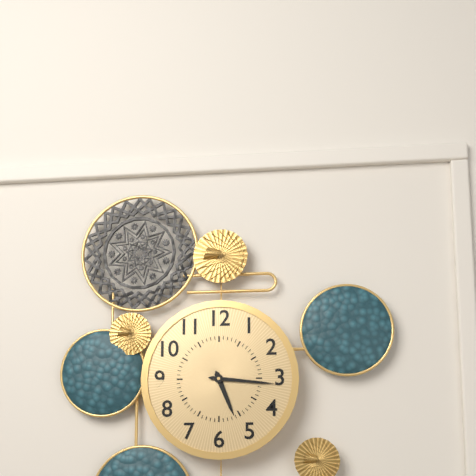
5:16
